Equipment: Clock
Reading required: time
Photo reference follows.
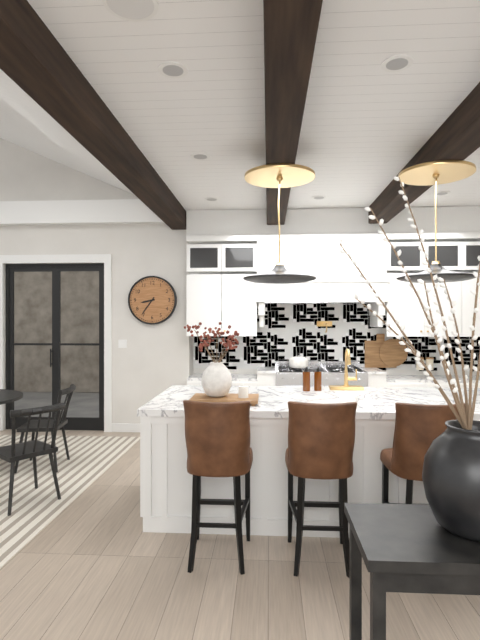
8:36
